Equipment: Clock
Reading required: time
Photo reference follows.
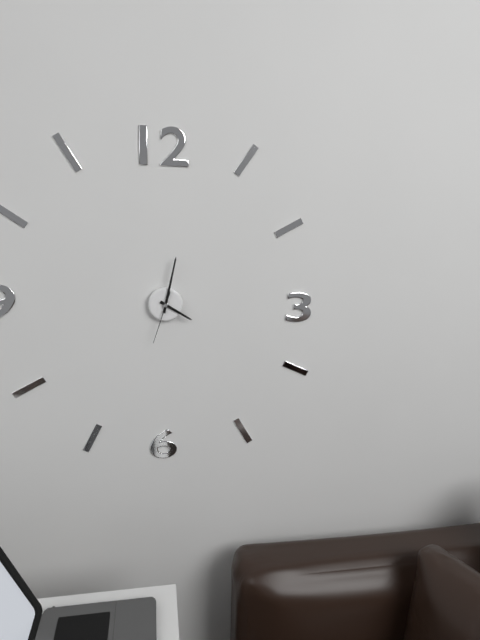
4:02:33
